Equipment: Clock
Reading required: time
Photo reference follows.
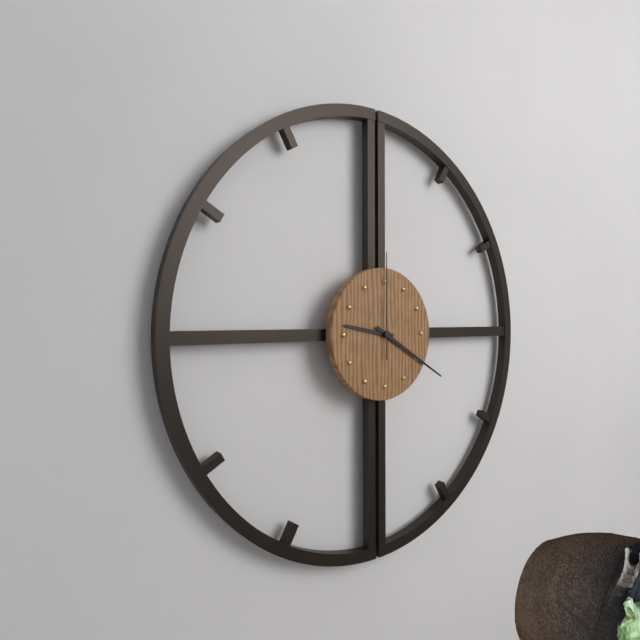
9:20:00
